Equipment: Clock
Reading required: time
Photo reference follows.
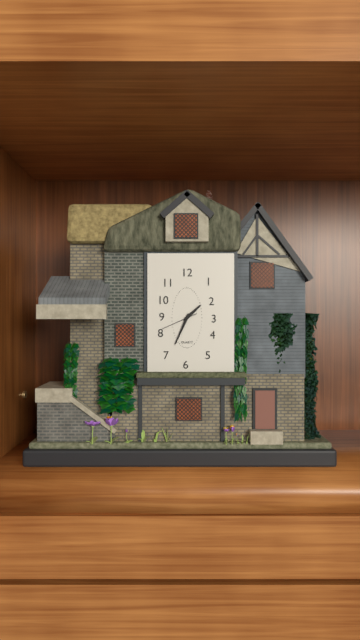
1:34
